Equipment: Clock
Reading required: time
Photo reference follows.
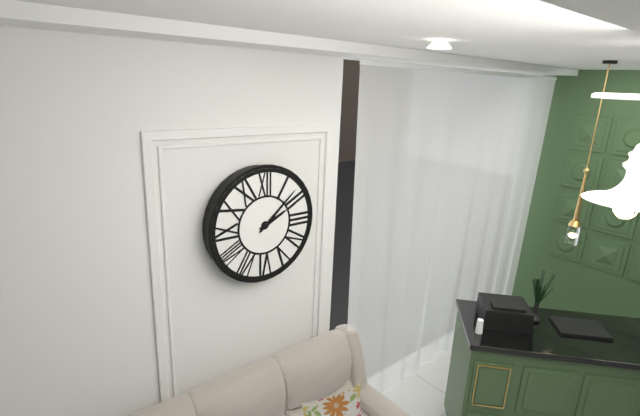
2:08
